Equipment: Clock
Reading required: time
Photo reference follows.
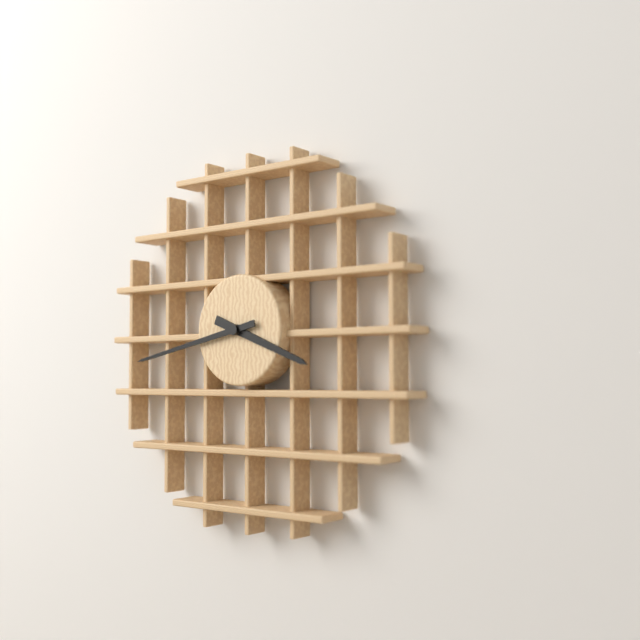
3:43
